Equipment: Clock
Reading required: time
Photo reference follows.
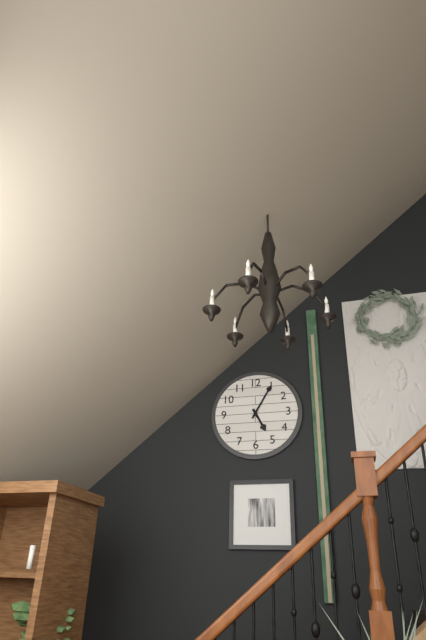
5:05
